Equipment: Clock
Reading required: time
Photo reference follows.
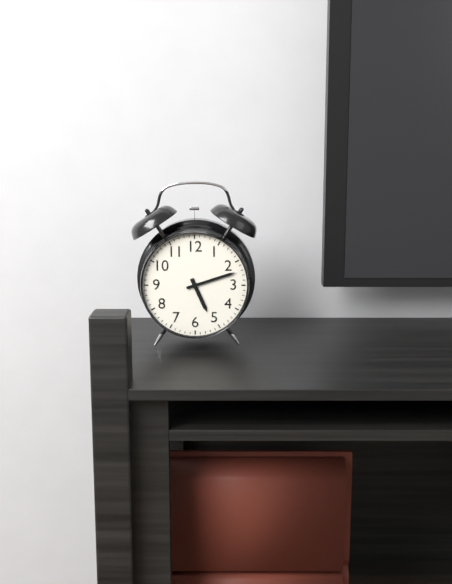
5:12
